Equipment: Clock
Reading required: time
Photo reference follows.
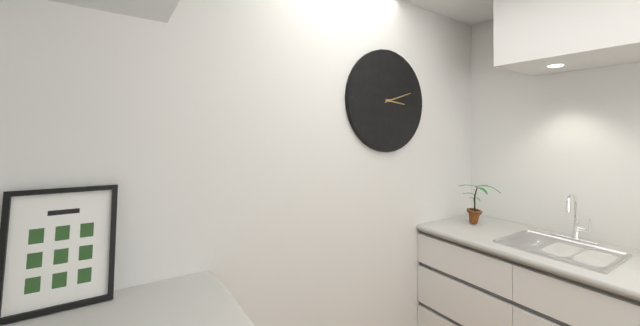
3:12
